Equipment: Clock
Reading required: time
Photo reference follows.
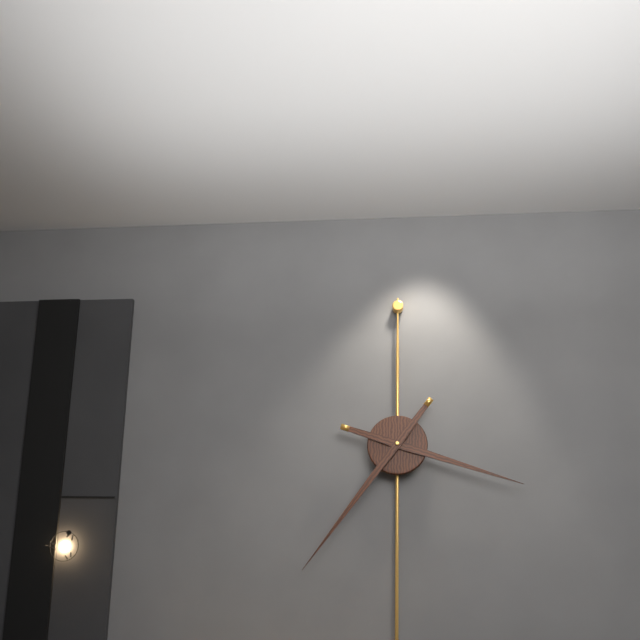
3:36
